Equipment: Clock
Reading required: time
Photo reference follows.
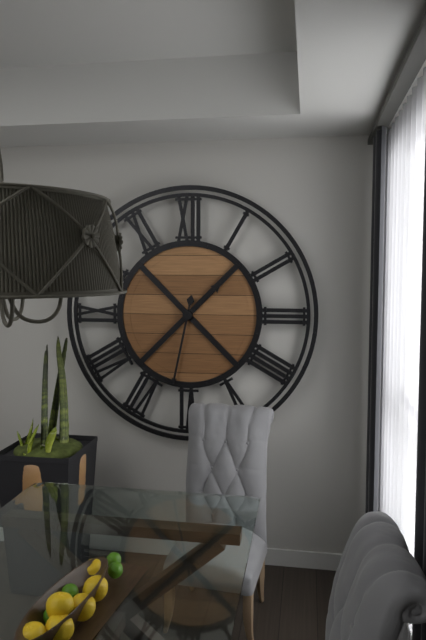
1:32
